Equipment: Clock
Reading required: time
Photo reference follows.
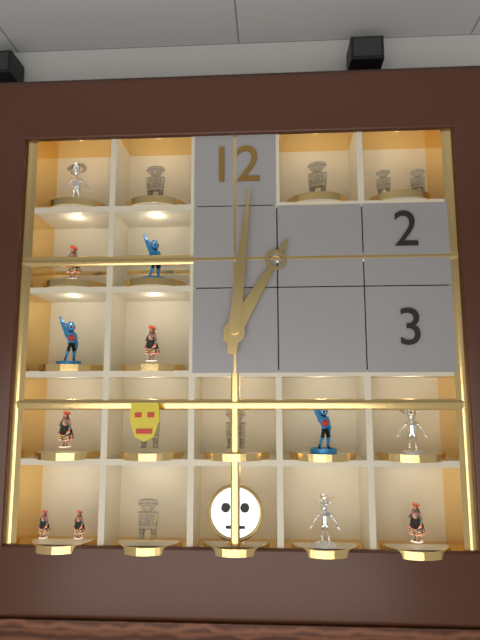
1:01
